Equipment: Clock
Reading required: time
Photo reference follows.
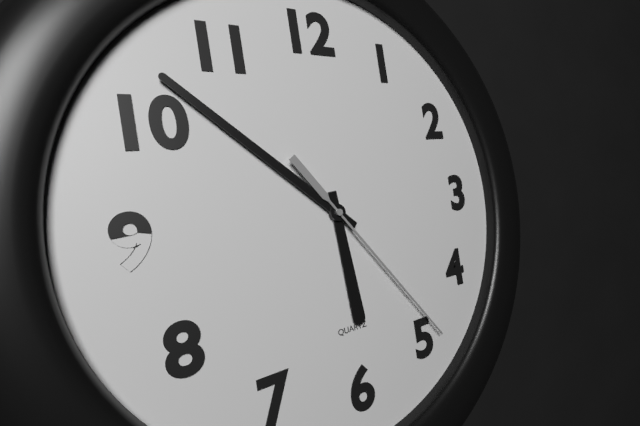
5:52:24
